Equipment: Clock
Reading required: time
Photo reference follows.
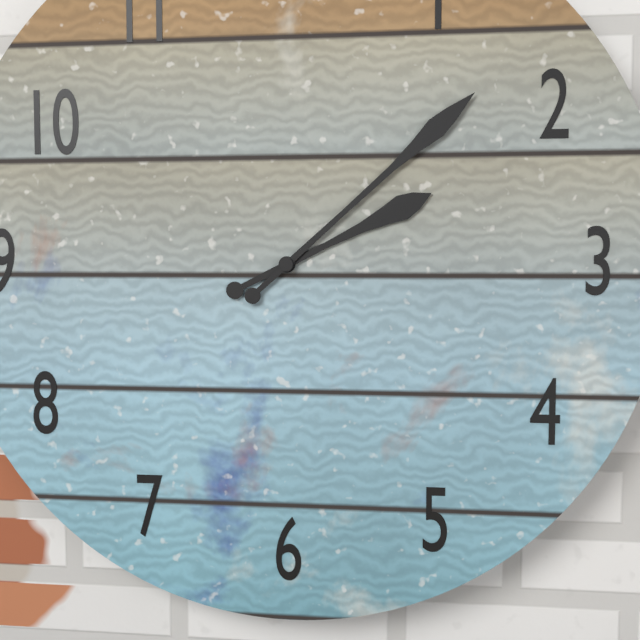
2:08
